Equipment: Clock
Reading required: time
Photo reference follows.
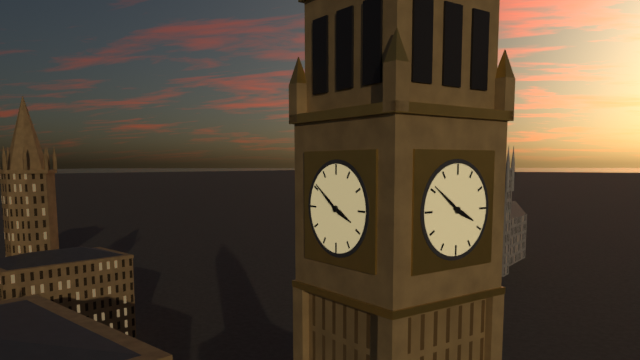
3:51
